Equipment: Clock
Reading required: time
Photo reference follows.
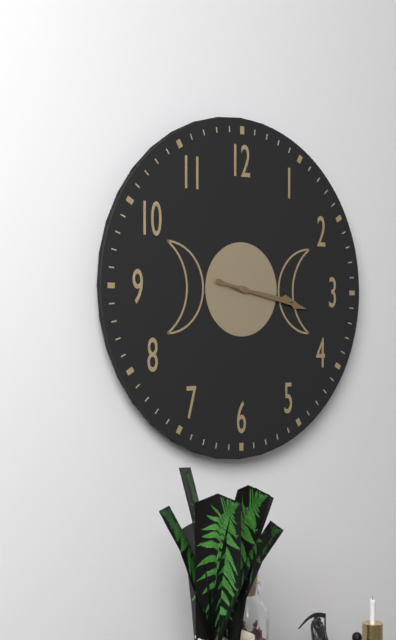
3:17
